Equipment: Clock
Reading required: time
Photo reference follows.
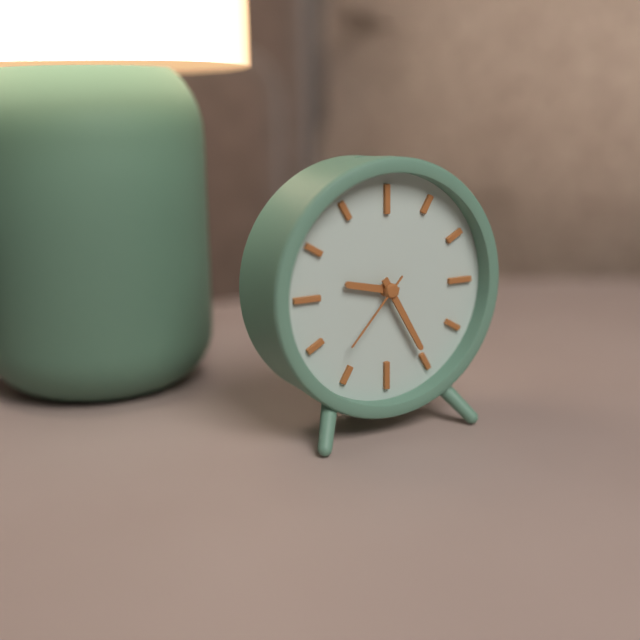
9:25:37
